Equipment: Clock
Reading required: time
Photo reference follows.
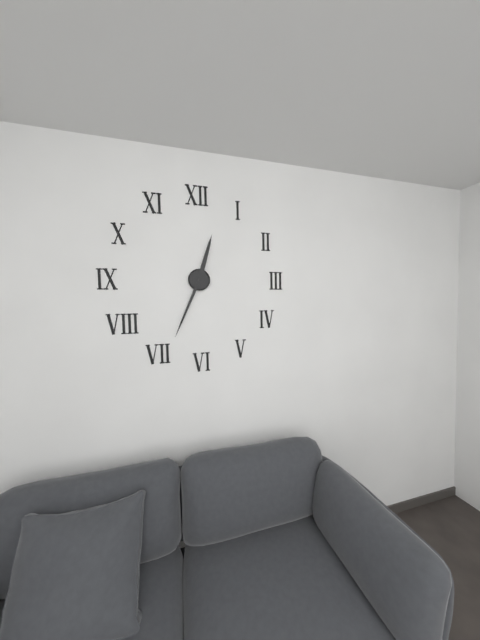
12:34
